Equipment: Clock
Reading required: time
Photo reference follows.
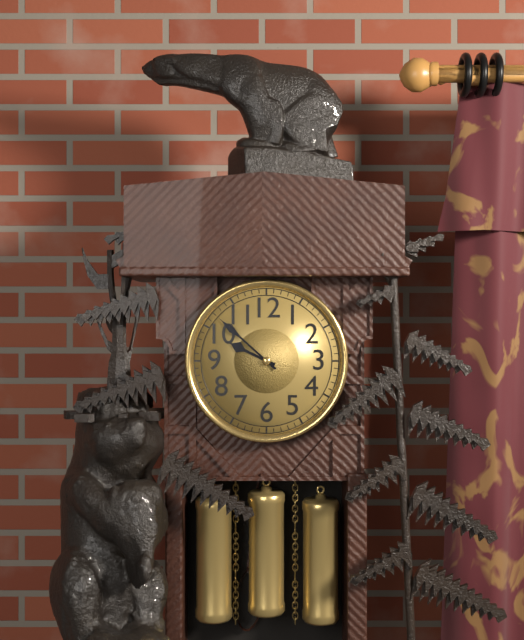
9:52
